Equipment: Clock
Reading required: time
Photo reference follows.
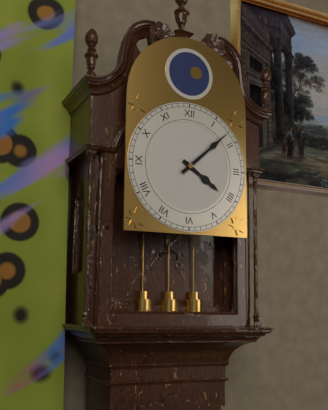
4:08
